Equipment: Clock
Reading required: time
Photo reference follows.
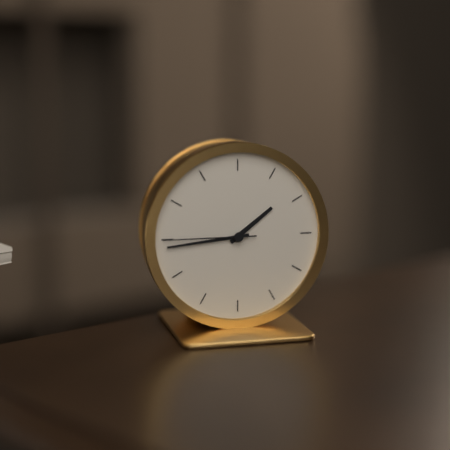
1:44:45
